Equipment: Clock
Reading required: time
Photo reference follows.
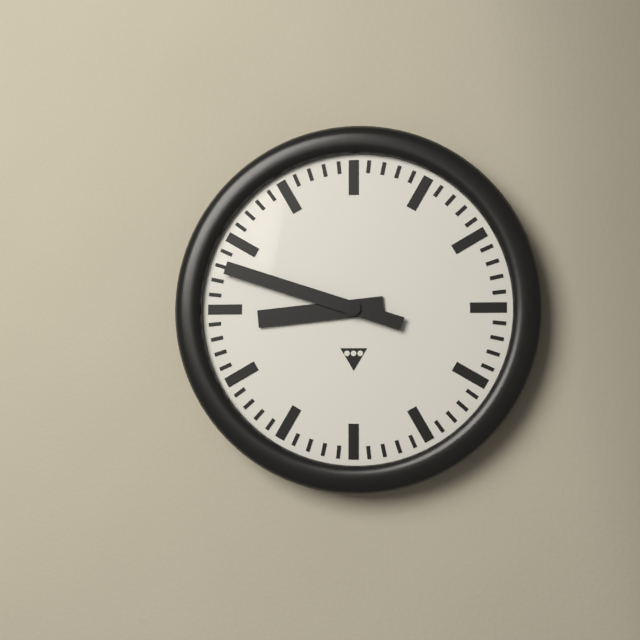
8:48
